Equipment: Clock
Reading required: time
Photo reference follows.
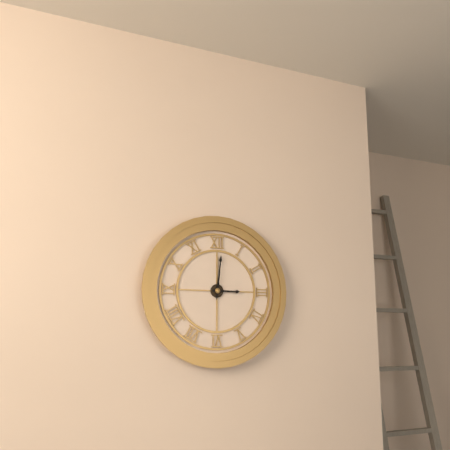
3:01
